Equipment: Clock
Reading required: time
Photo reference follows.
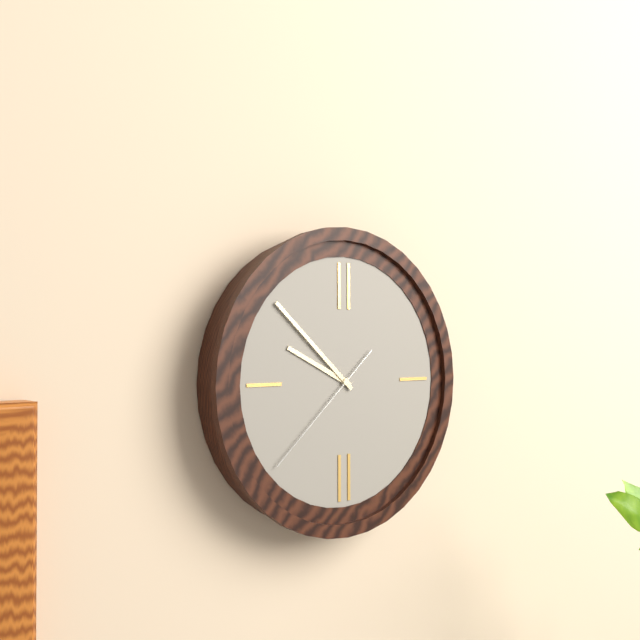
9:52:38
